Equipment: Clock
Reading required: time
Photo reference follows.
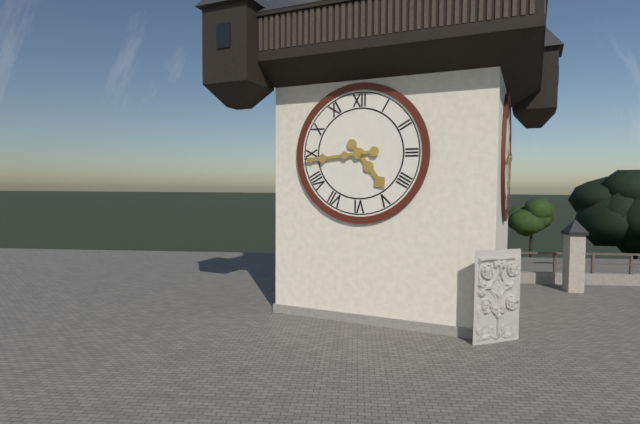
4:44
